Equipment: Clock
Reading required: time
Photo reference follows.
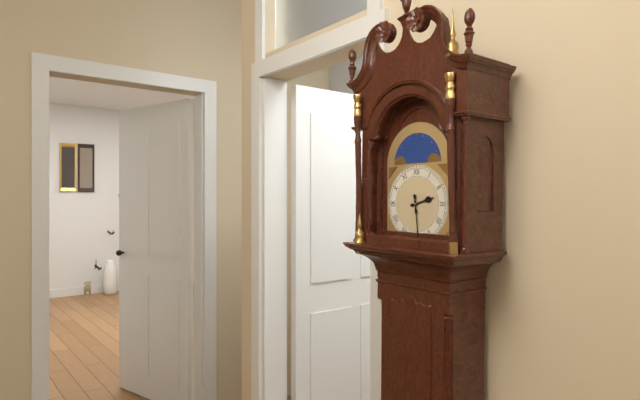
2:29
